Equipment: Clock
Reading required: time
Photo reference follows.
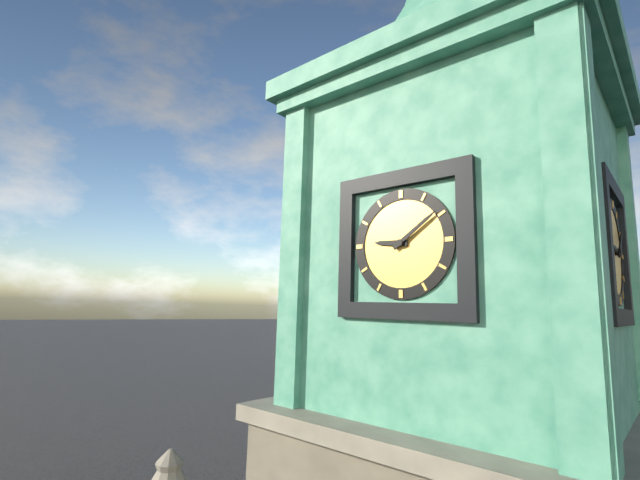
9:09
